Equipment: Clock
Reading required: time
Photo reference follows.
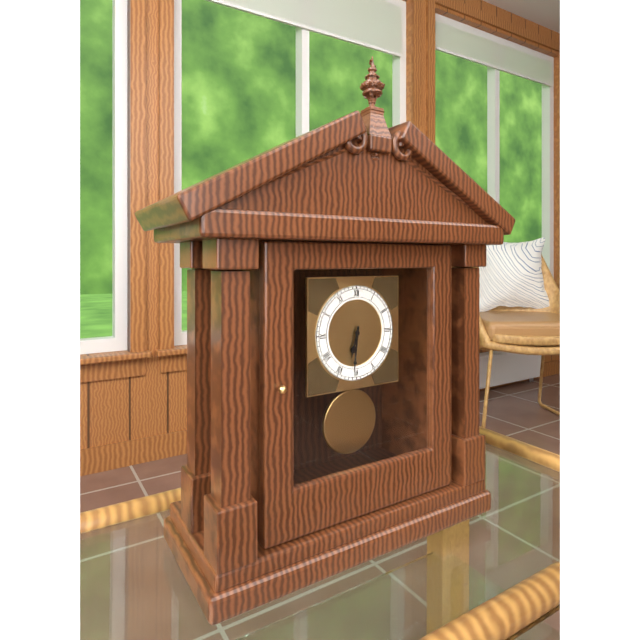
6:31
